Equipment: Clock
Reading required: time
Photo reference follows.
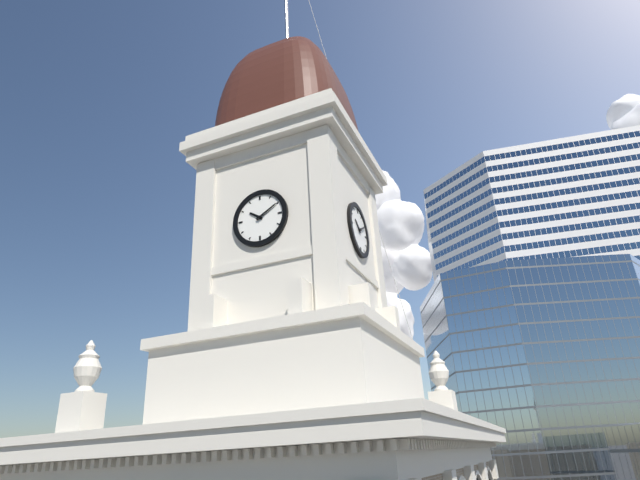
10:10
